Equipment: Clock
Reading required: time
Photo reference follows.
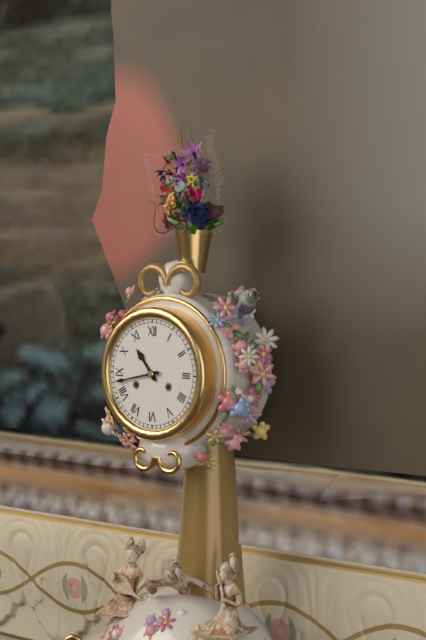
10:43
